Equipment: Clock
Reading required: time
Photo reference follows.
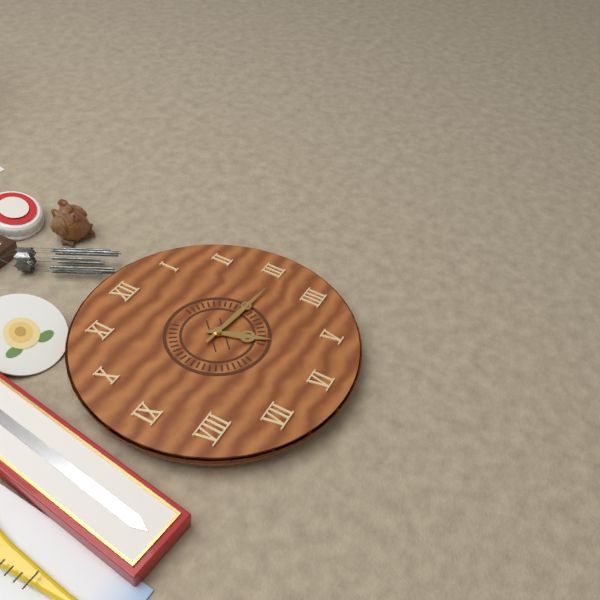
5:16
